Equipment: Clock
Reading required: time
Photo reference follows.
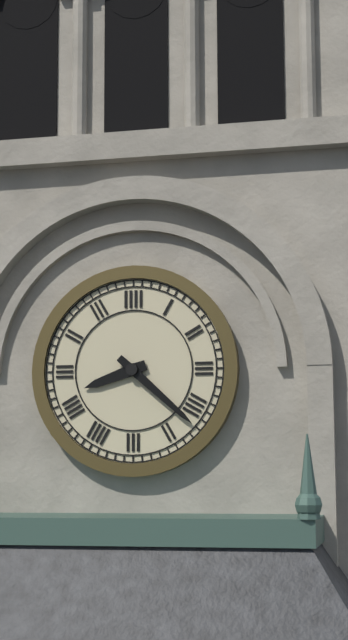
8:22
